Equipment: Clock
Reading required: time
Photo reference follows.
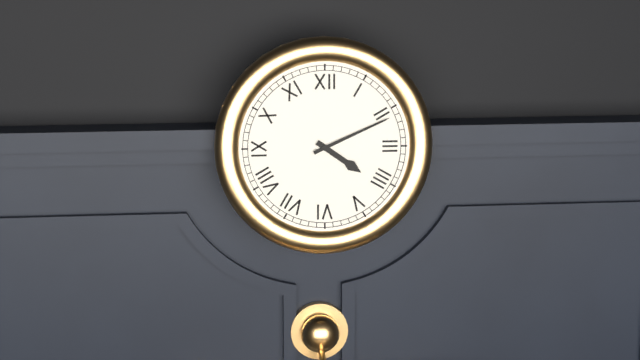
4:11
